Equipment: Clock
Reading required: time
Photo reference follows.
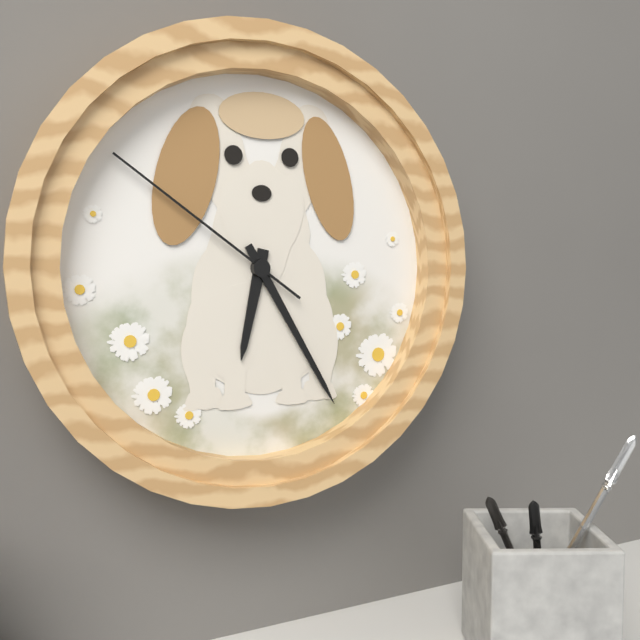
6:25:51
